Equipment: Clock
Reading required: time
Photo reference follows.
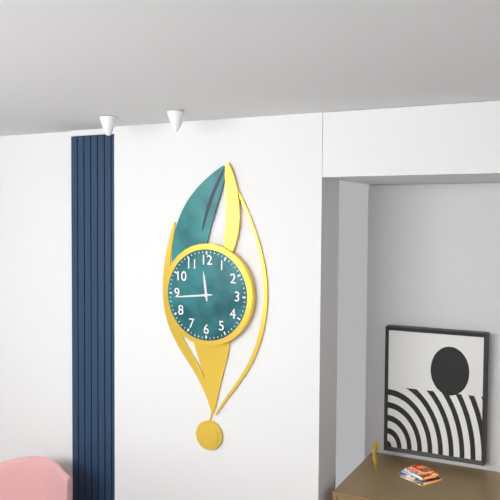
11:44
